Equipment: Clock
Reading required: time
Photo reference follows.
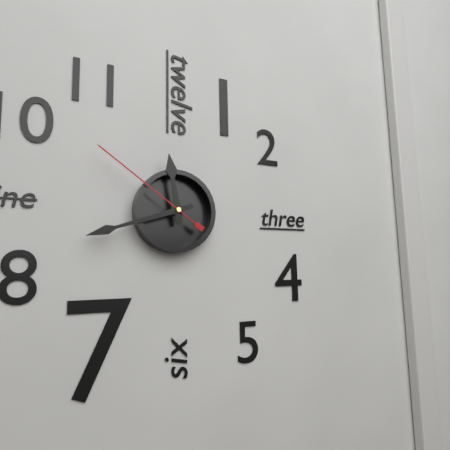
11:42:51
